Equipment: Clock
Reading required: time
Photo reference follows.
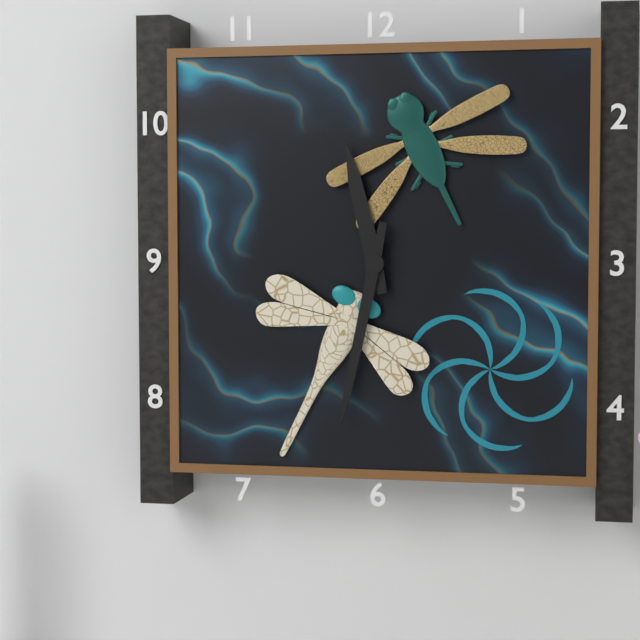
11:32
